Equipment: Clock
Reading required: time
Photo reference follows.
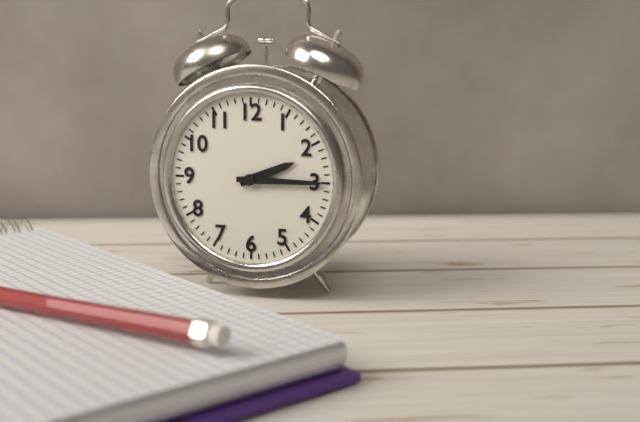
2:15
